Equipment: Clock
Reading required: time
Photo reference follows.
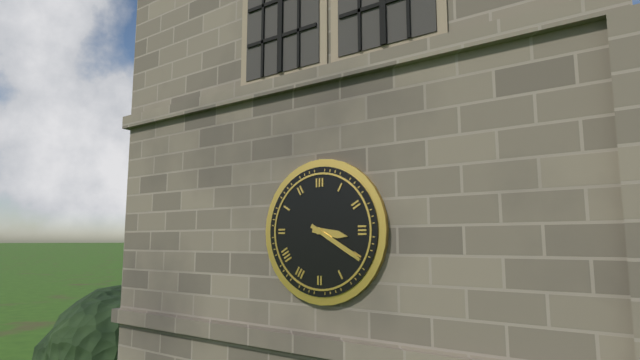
3:20
